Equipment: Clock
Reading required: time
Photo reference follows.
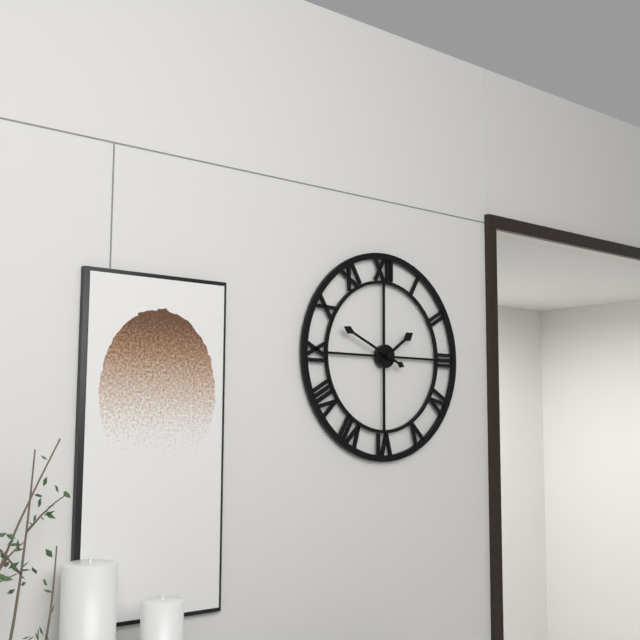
1:49
